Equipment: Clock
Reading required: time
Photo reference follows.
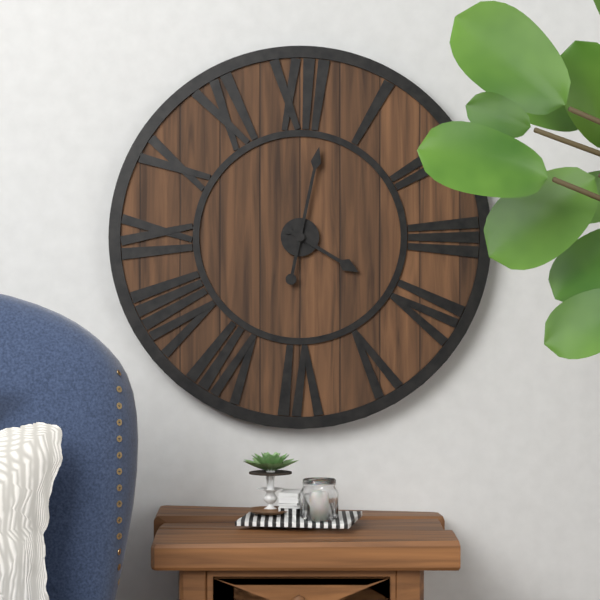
4:02
